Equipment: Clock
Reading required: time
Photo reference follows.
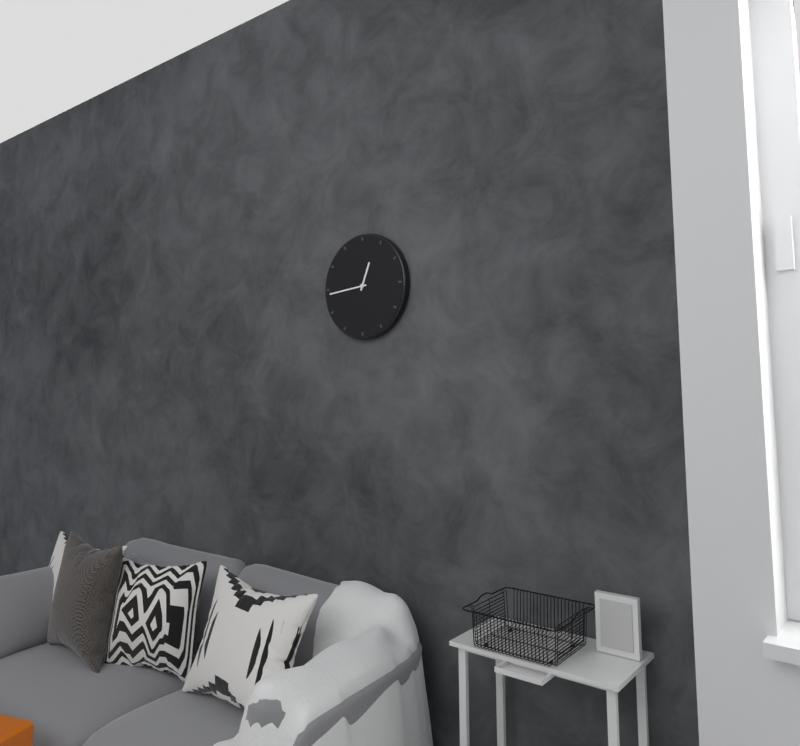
12:44
